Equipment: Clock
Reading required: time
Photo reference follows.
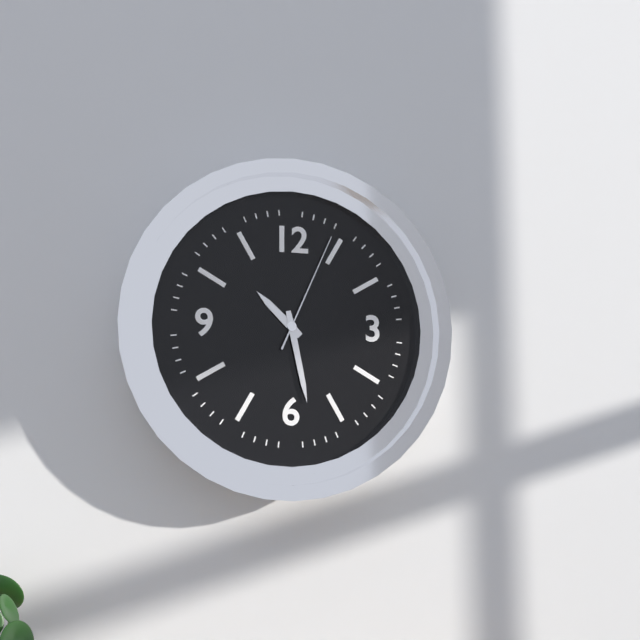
10:28:04
